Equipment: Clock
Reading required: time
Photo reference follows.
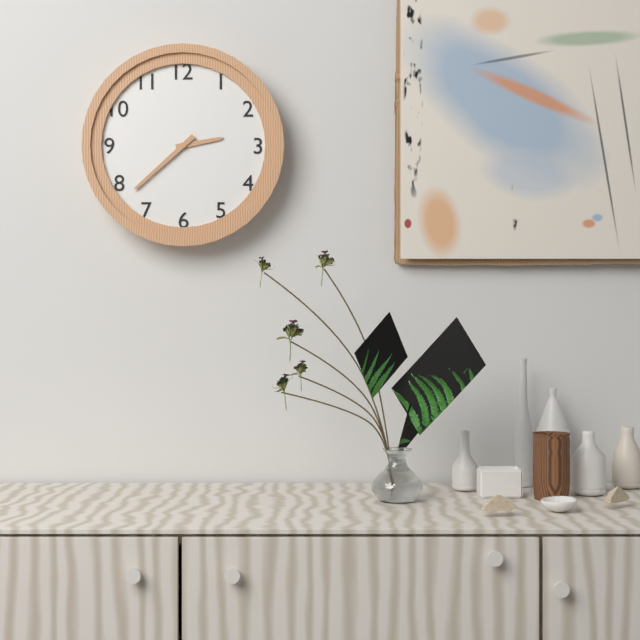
2:38
